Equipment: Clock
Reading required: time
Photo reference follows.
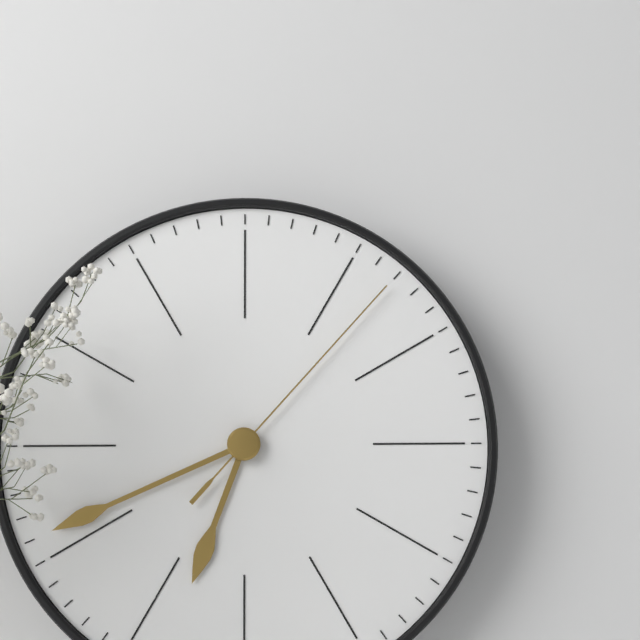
6:41:07
